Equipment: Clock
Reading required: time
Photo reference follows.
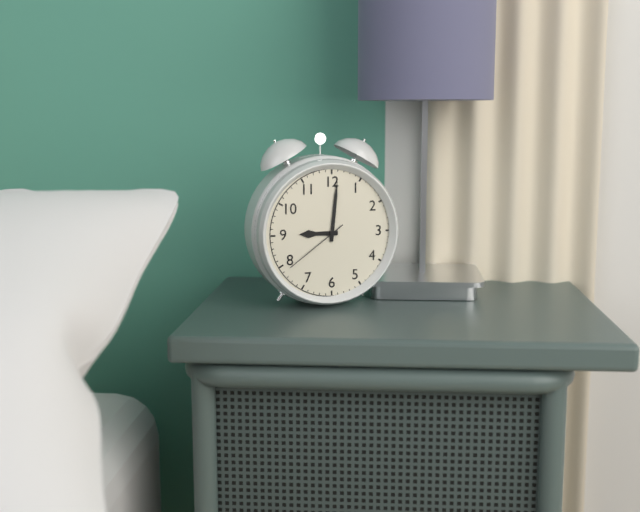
9:01:39
